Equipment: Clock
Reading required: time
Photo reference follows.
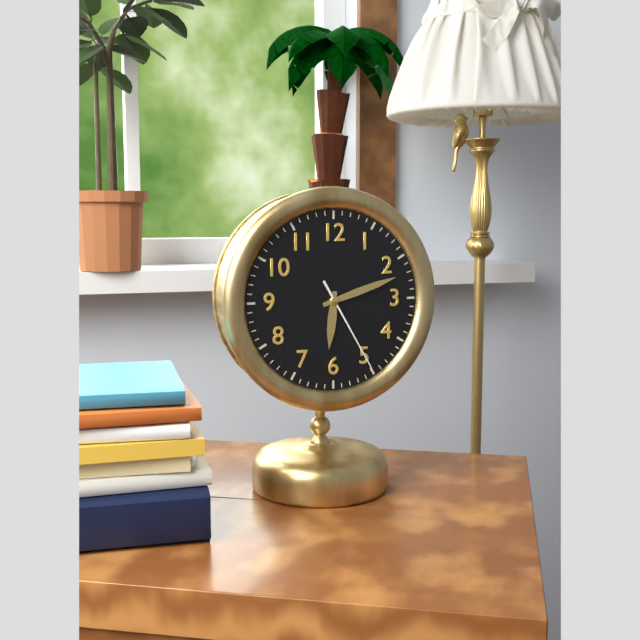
6:12:25
